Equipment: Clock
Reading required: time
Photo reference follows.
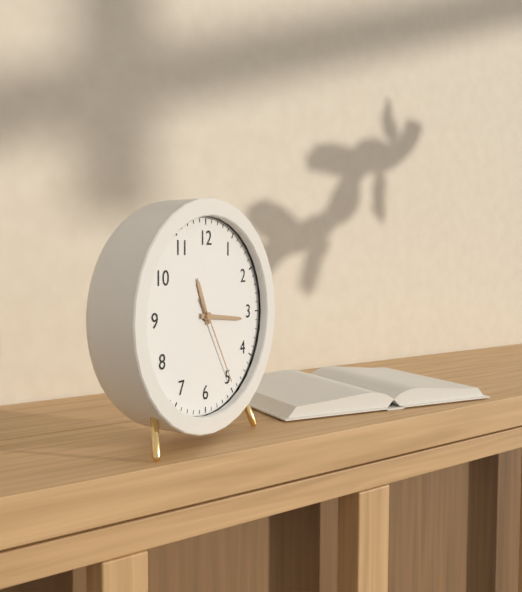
11:16:25
